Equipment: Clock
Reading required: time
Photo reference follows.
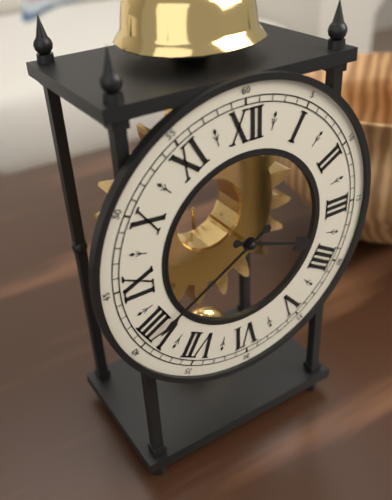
3:40
